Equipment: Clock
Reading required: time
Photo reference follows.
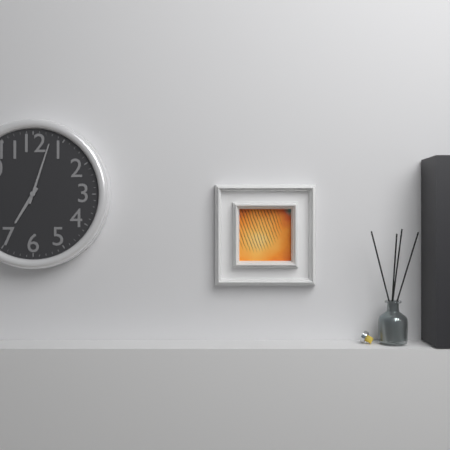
7:03
